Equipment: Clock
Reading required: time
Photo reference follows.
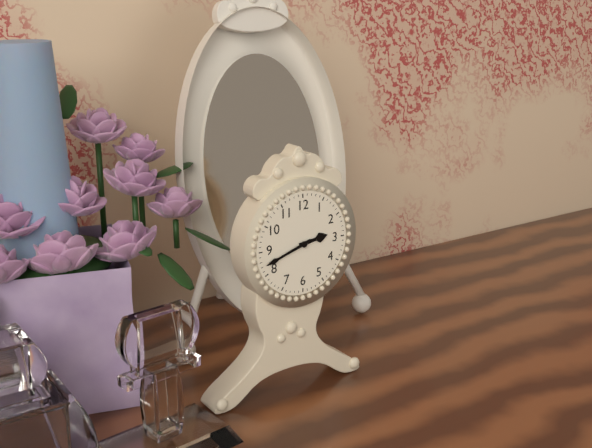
2:42
